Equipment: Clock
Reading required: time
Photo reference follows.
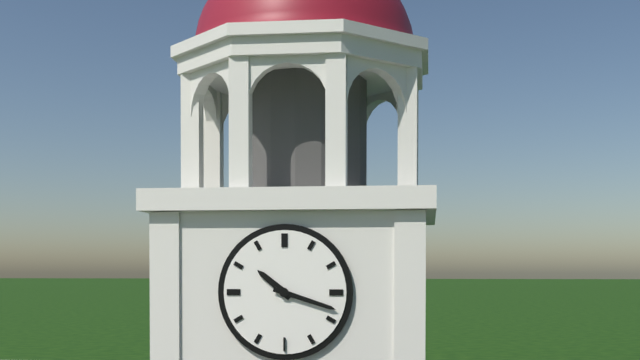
10:18
